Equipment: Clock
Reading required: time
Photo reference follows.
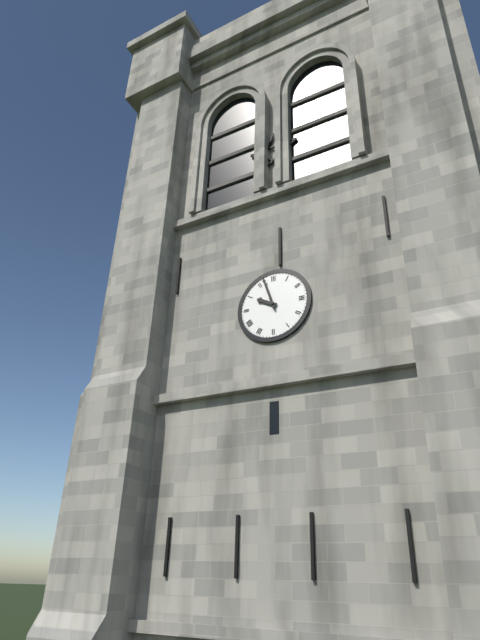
9:57
